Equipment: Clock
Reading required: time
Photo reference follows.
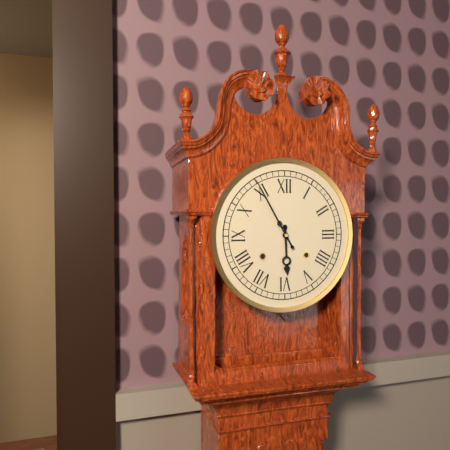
5:55
